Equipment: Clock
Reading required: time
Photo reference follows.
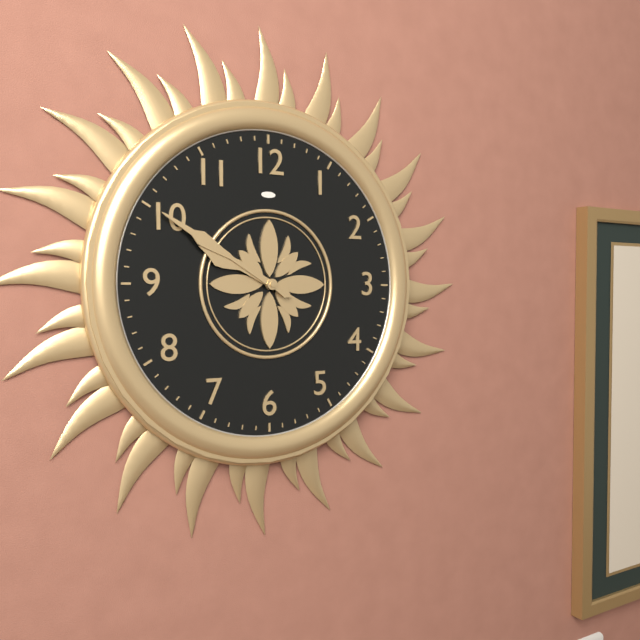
9:50
